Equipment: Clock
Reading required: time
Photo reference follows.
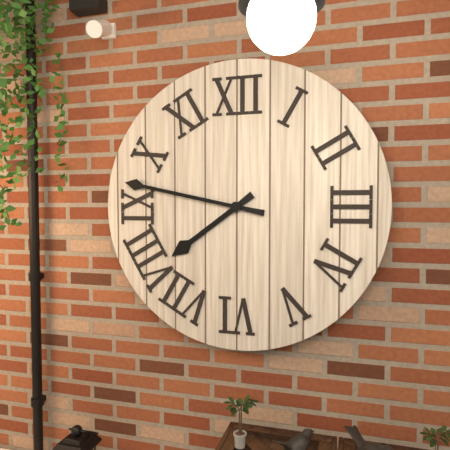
7:47
